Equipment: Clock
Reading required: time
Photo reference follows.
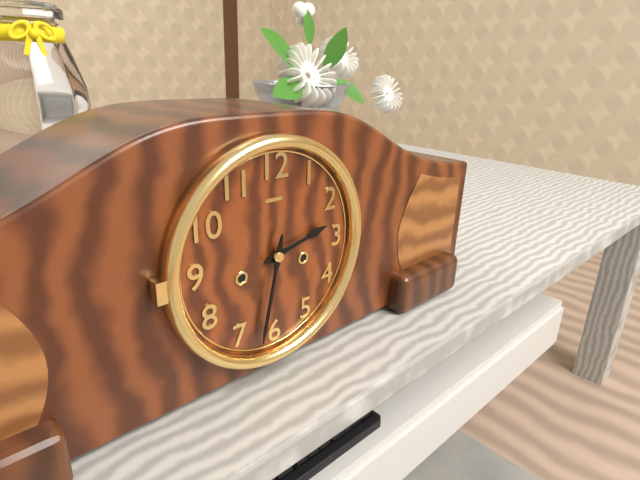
2:32
